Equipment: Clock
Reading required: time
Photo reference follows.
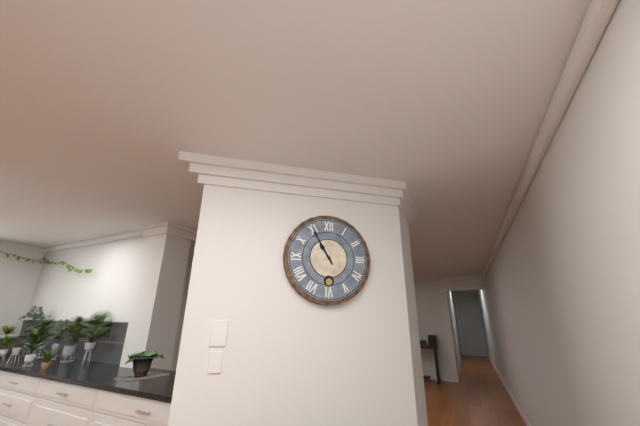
10:55
